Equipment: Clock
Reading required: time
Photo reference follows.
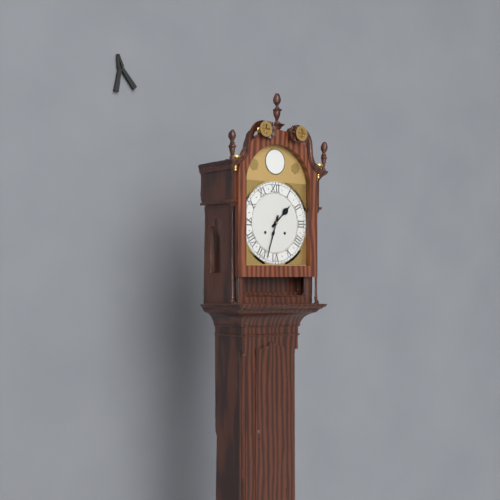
1:33
